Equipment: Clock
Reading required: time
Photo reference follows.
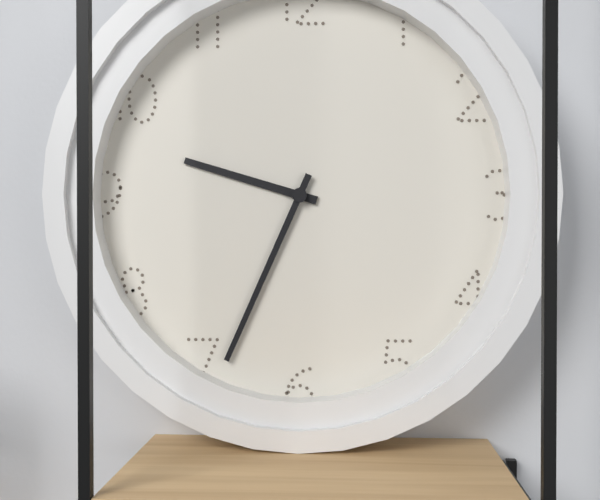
9:34
